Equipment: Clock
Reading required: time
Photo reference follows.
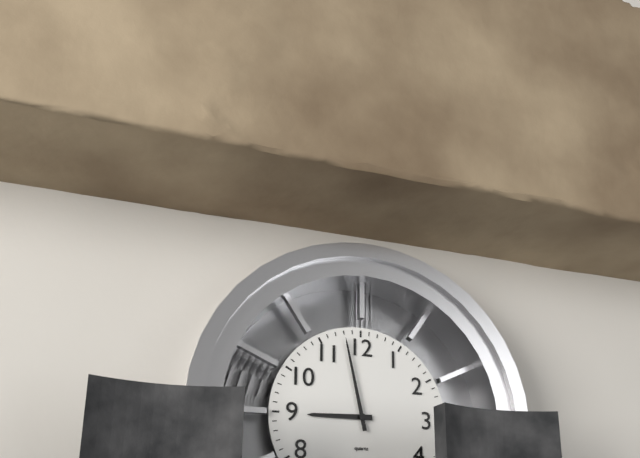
8:58
